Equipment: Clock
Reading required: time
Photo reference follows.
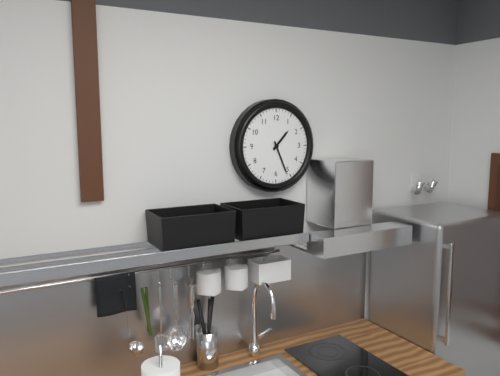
1:26
